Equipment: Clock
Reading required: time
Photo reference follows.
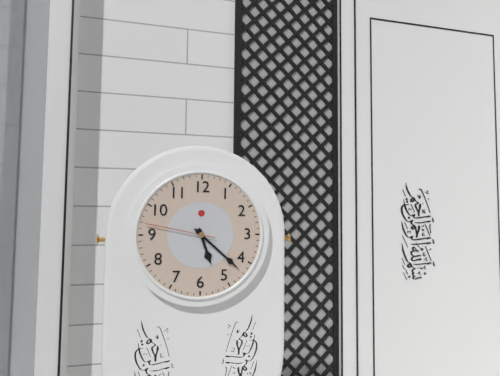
5:22:47
